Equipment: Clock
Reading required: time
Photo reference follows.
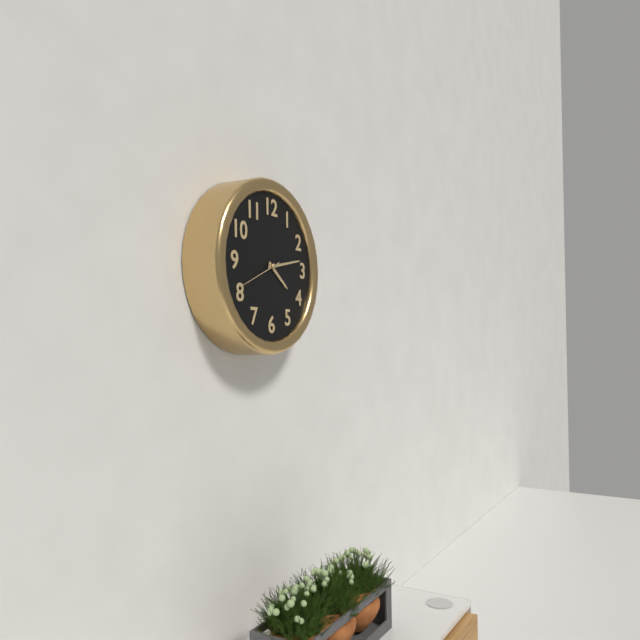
4:13
